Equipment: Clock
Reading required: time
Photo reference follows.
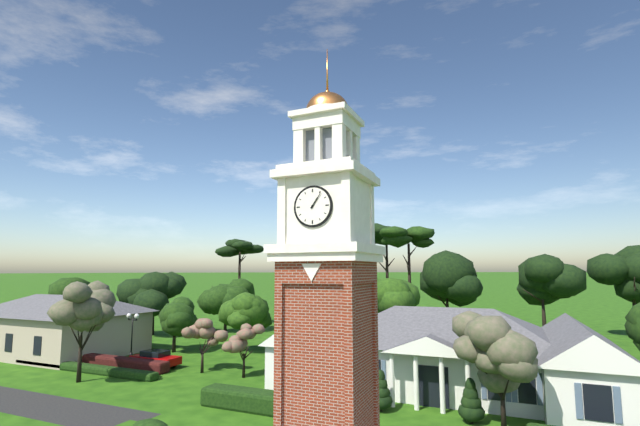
1:06
